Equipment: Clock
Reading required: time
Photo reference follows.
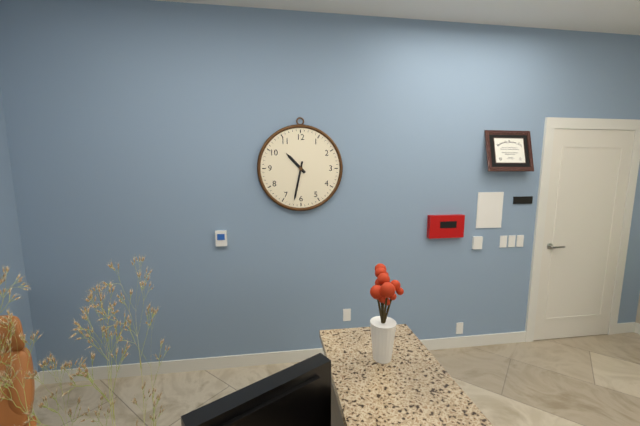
10:32
